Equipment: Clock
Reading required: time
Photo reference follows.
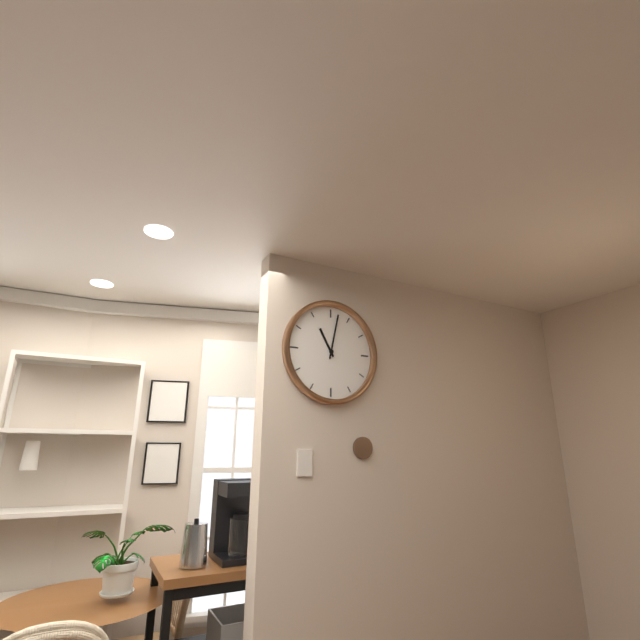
11:02
